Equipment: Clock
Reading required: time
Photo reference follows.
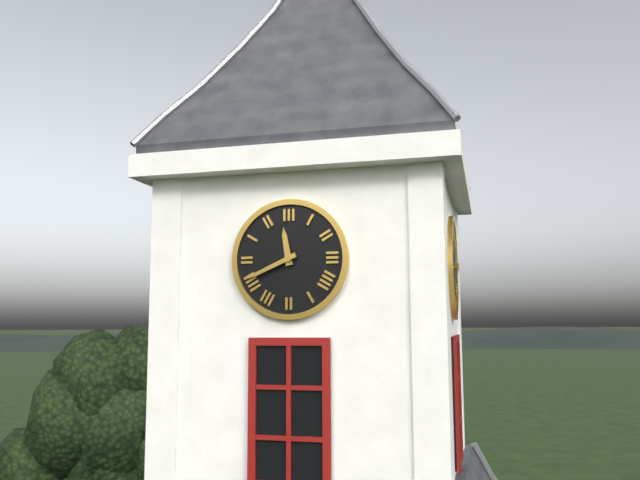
11:41
